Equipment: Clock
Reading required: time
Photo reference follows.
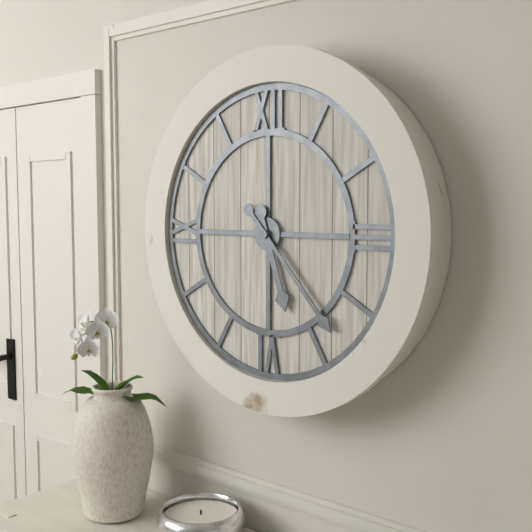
5:23
